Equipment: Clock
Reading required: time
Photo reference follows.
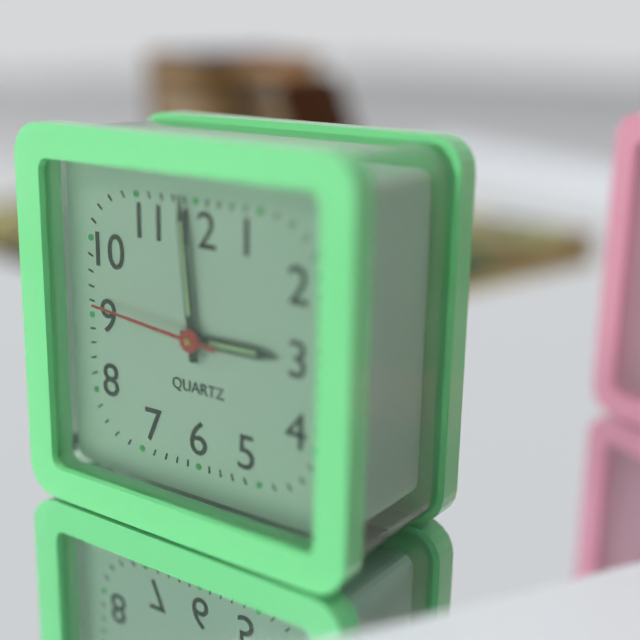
2:59:46
